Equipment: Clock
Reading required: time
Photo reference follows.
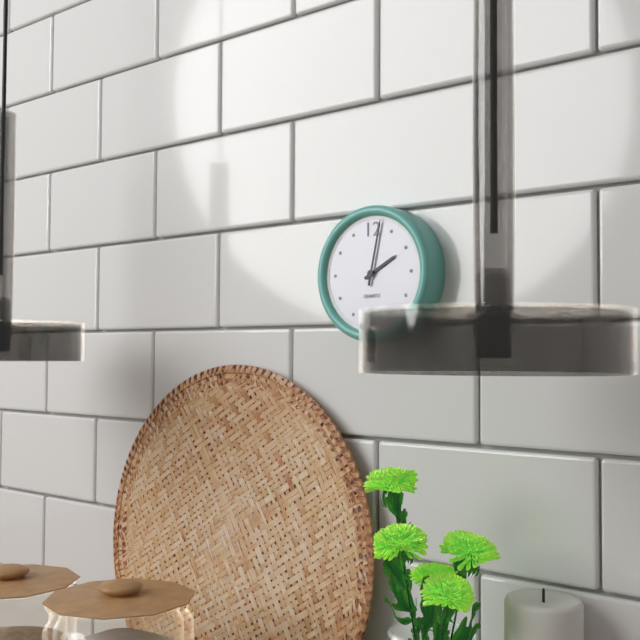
2:02
